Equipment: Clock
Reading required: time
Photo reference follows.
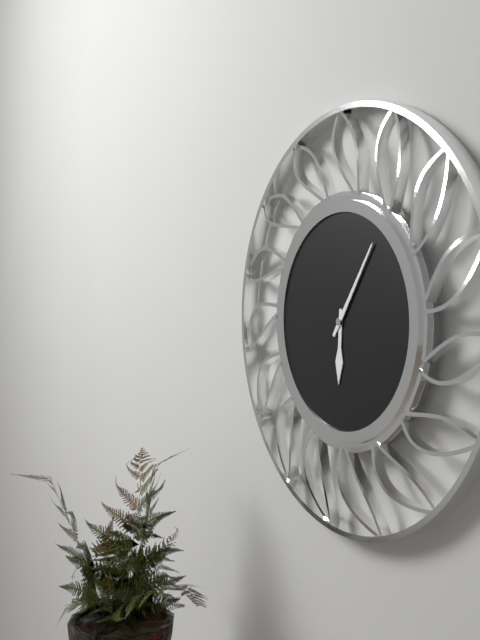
6:06
